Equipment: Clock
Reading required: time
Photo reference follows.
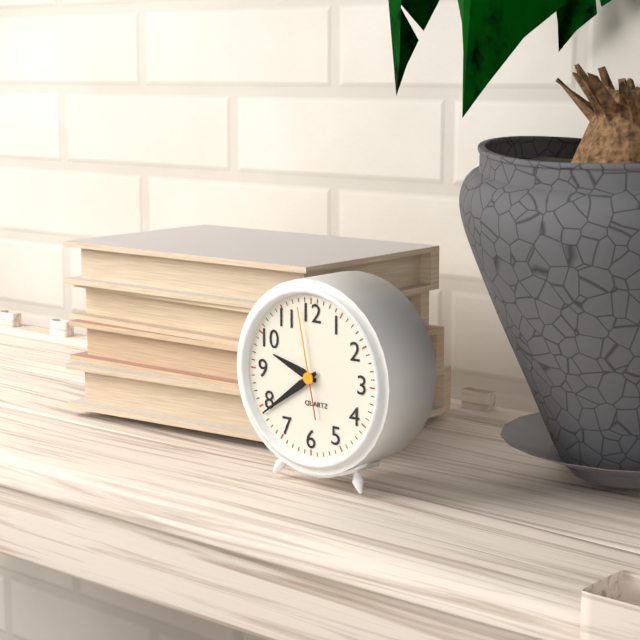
9:39:58
